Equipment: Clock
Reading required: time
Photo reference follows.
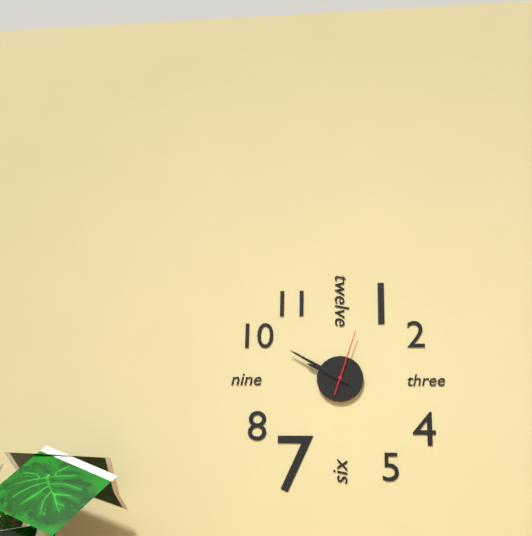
9:50:03
